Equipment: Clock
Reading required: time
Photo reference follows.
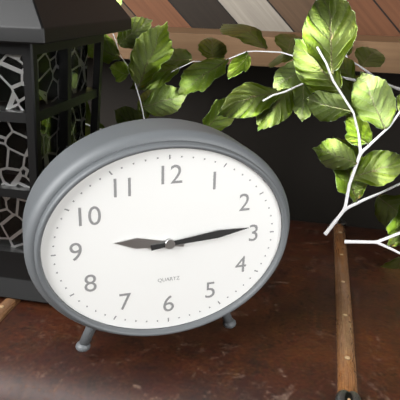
9:14
